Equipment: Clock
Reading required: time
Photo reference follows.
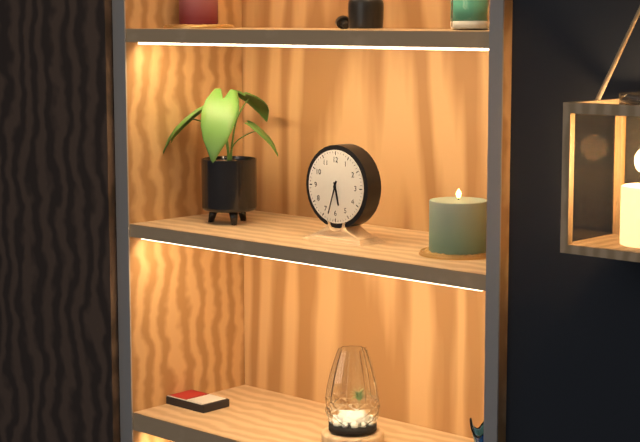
5:33
